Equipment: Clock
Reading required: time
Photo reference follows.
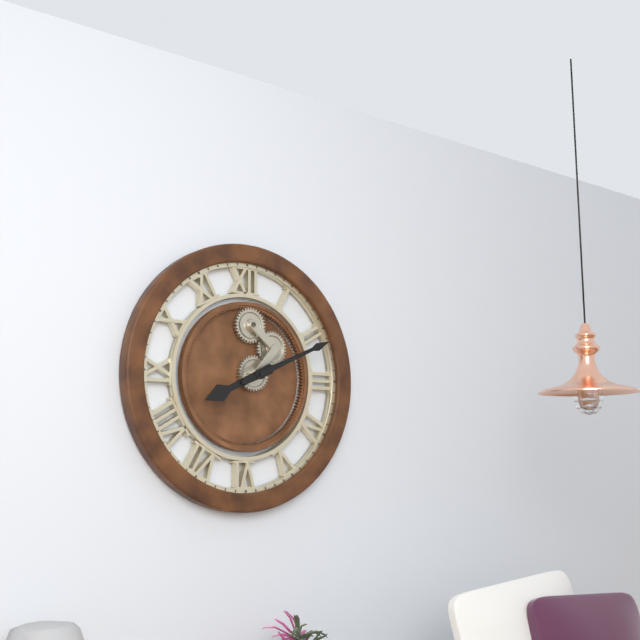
8:11
